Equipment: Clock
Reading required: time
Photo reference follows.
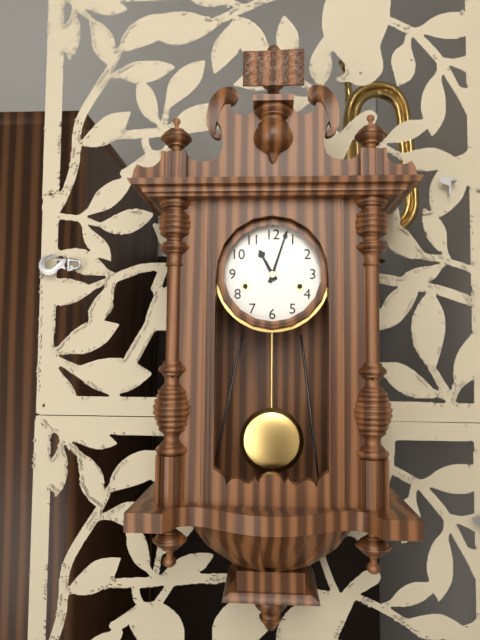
11:03
